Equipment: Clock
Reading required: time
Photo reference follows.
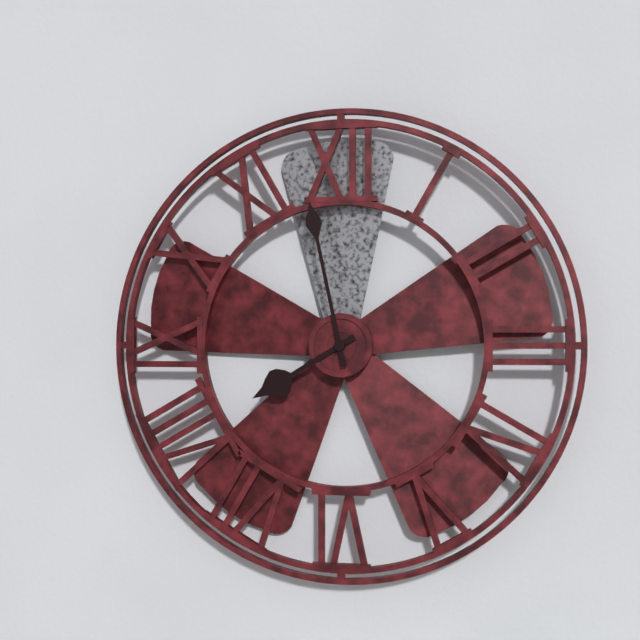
7:58
